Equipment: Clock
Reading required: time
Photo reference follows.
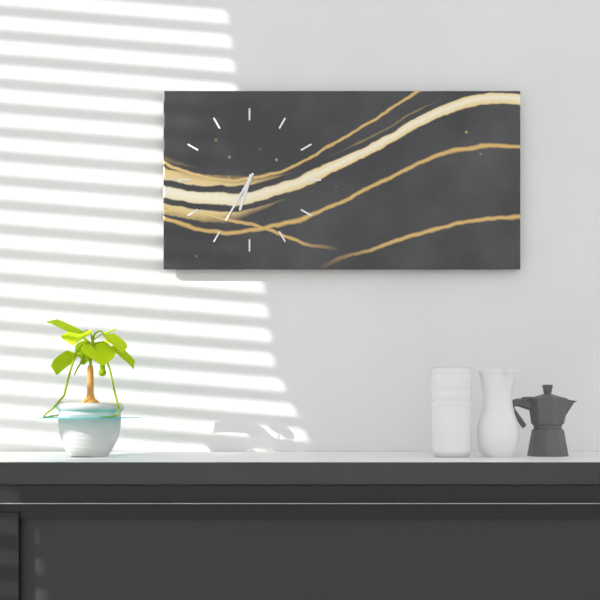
6:35
